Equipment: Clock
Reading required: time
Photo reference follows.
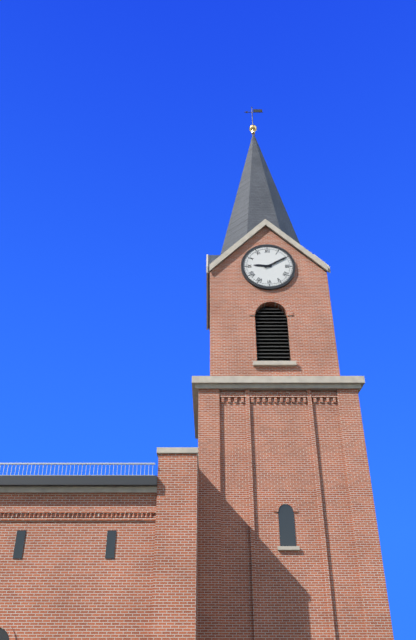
9:10
